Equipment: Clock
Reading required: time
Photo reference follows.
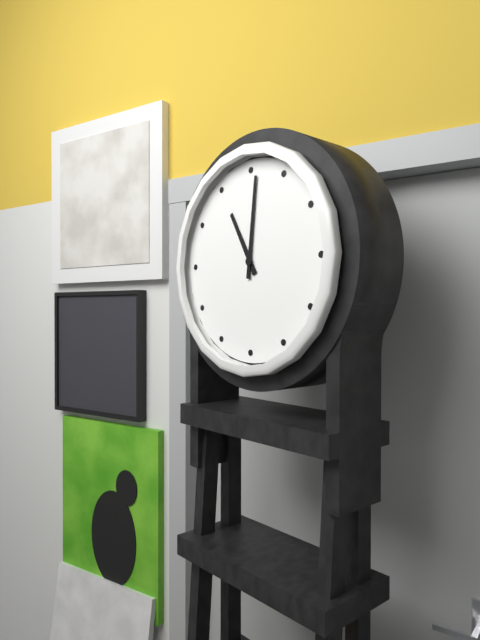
11:01
